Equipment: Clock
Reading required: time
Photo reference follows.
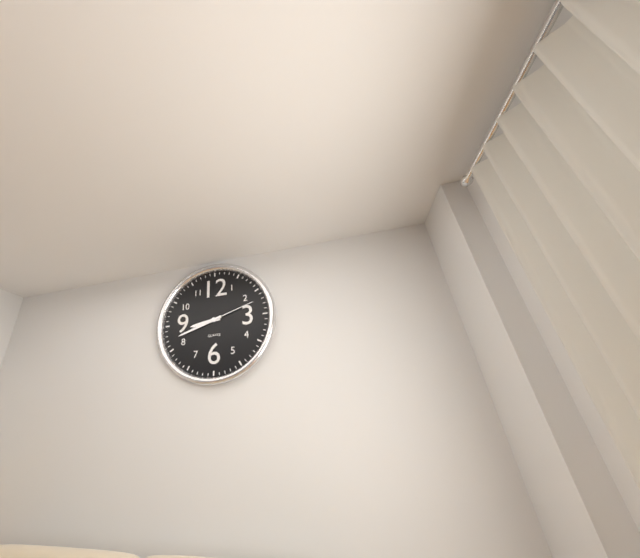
8:42:12
